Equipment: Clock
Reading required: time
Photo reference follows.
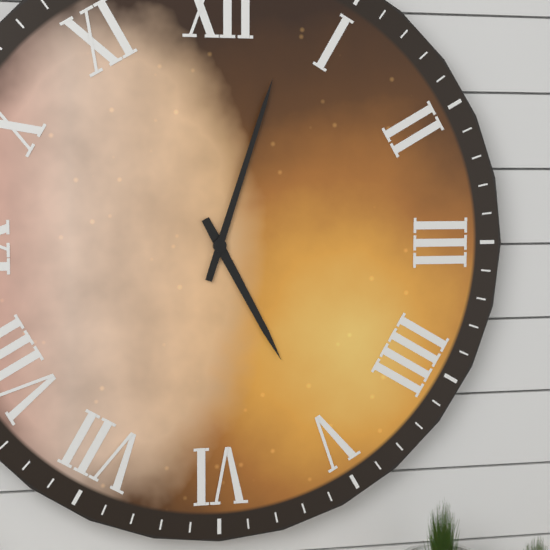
5:03
